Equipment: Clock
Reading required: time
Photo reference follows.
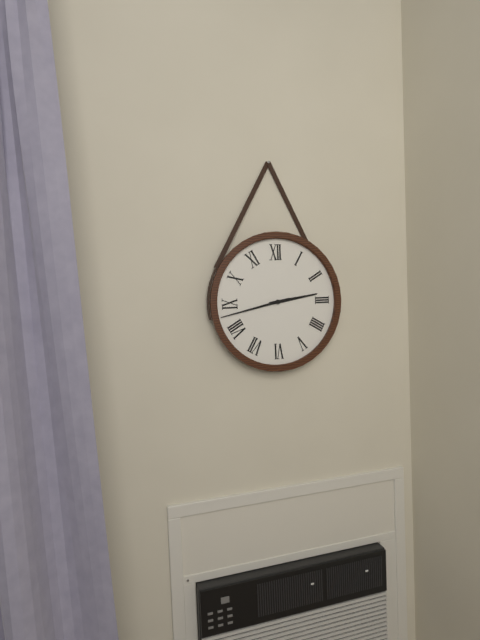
2:43
